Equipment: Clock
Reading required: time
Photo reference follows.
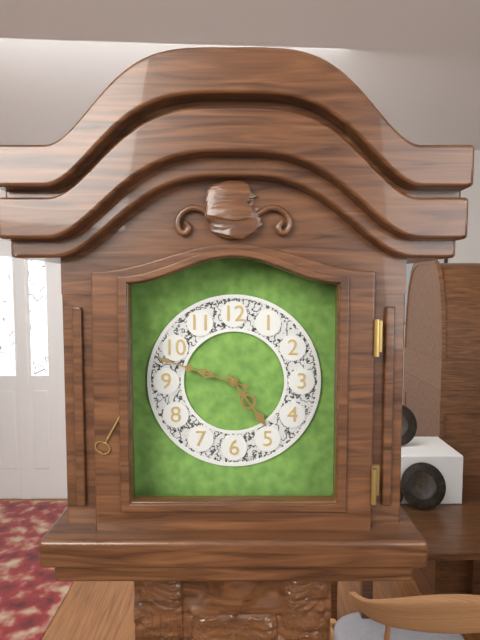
4:48
